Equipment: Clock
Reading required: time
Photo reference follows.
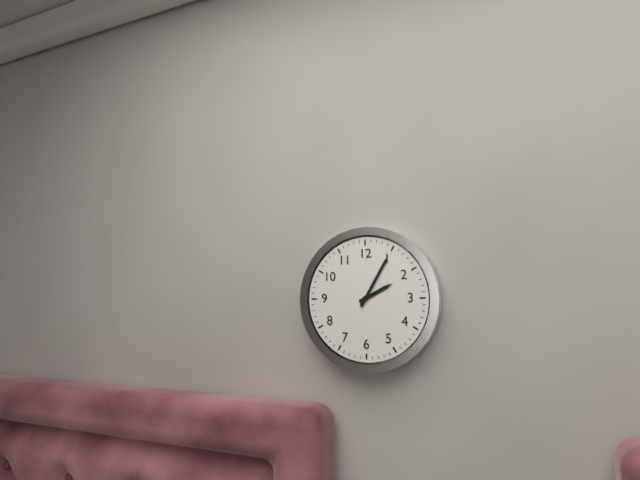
2:05
